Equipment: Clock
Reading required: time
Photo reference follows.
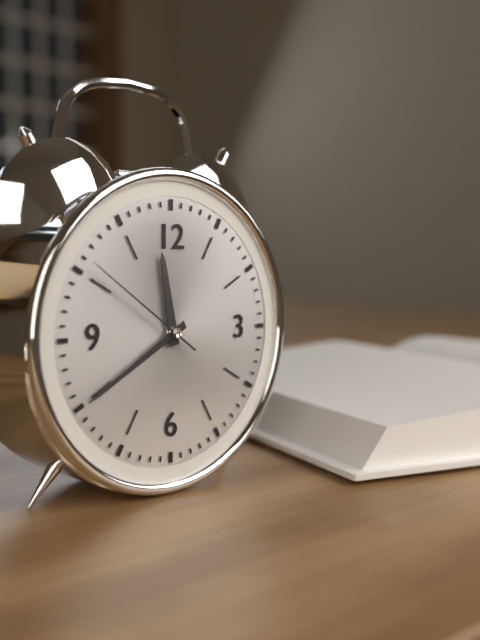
11:40:51
